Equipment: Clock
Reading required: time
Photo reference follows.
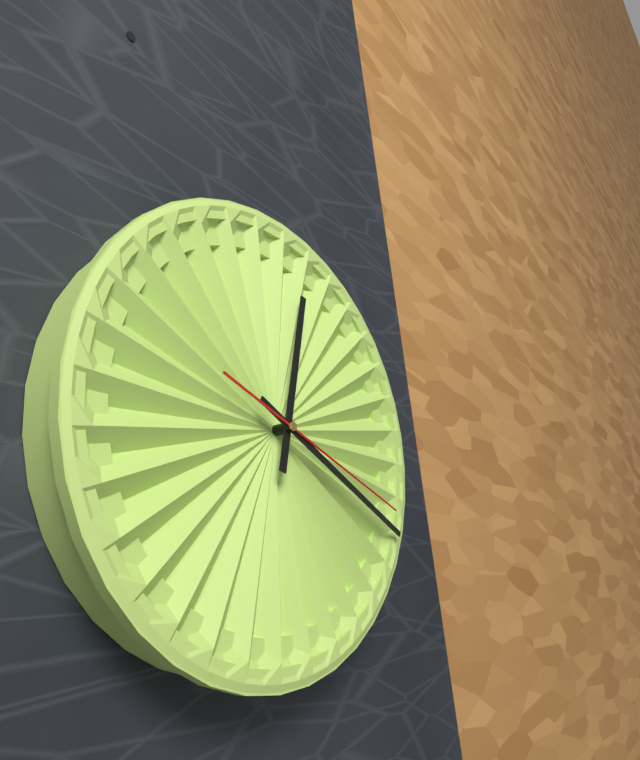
12:19:18
